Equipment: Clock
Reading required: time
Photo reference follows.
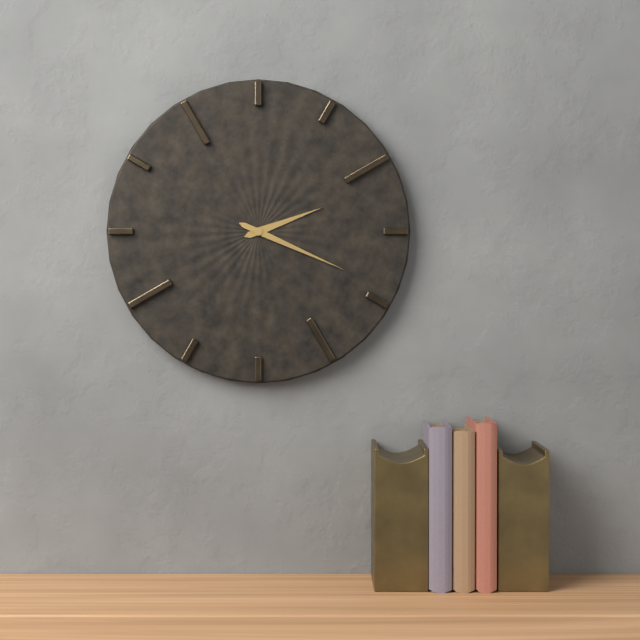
2:19
